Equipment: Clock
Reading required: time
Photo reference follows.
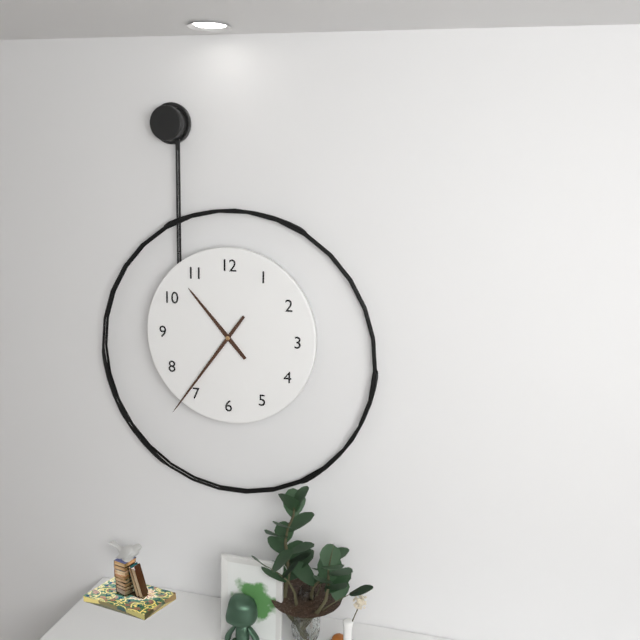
10:36
